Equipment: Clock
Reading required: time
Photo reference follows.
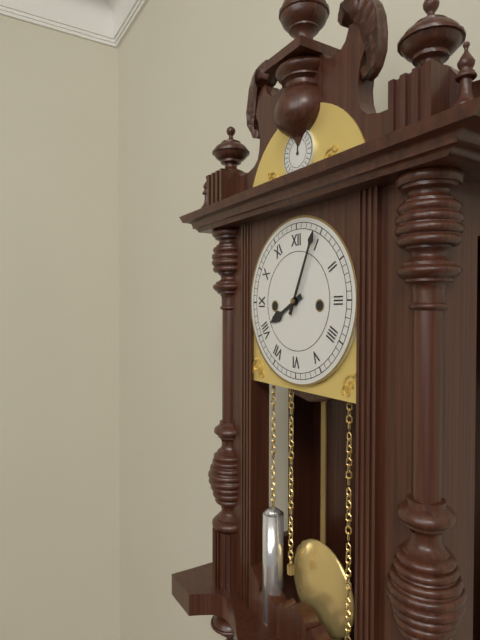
8:04
